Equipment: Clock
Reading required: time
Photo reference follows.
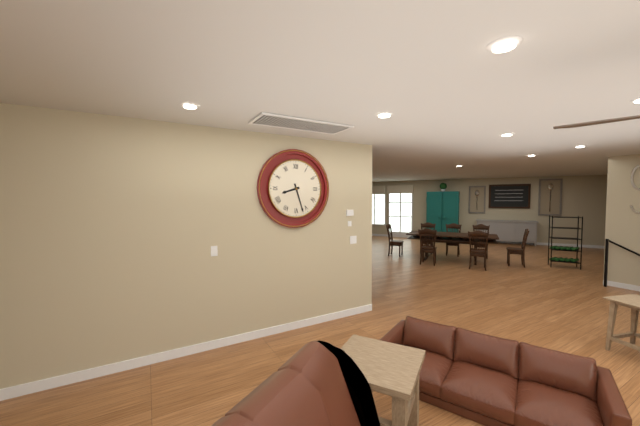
8:27
